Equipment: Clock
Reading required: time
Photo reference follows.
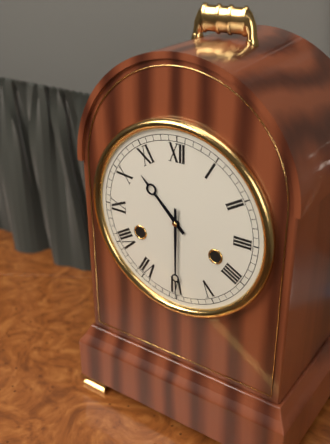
10:30
